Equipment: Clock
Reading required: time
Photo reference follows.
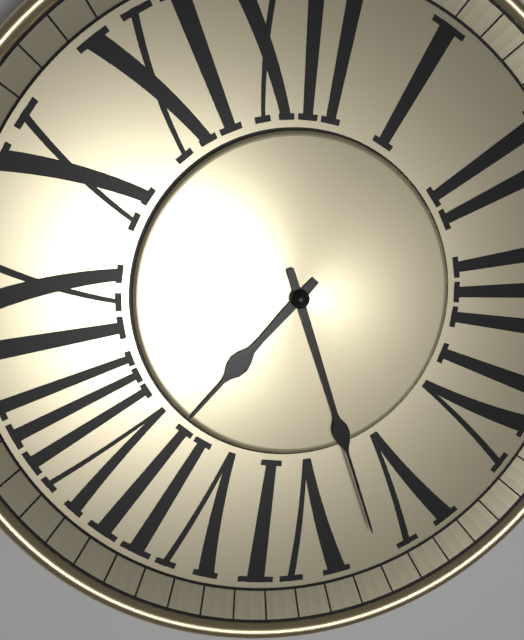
7:27
